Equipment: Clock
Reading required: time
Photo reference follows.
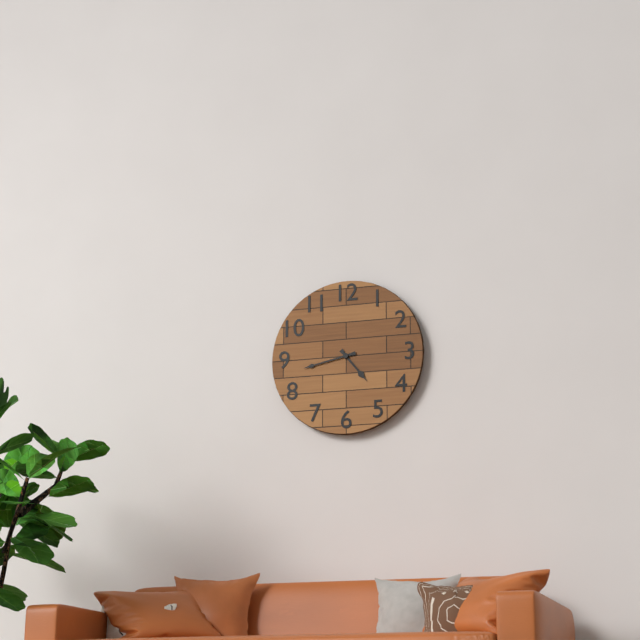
4:43
